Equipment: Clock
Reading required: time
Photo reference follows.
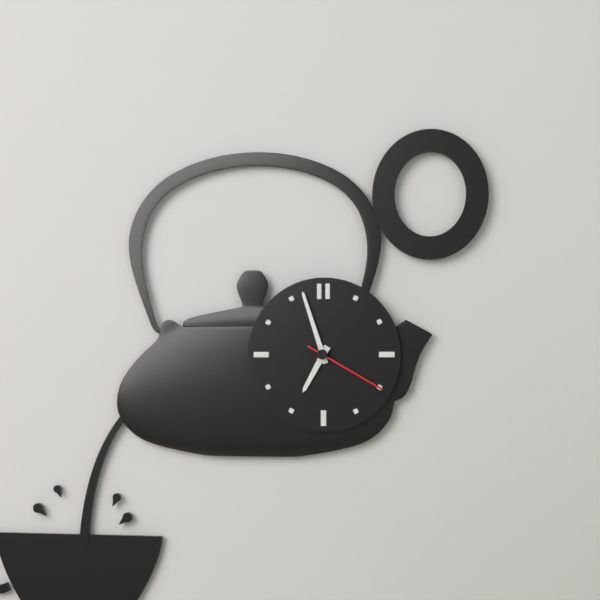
6:57:20
